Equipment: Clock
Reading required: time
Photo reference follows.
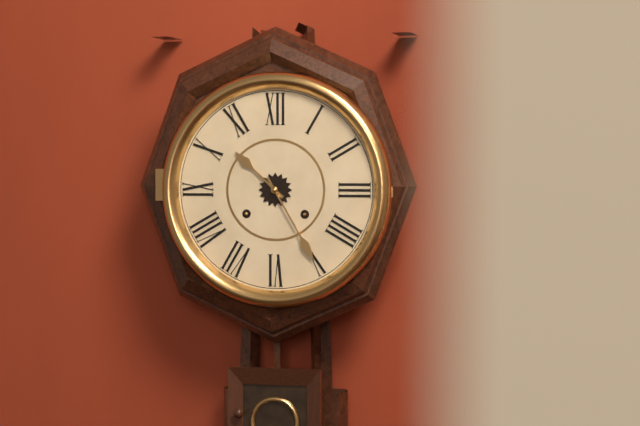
10:25
